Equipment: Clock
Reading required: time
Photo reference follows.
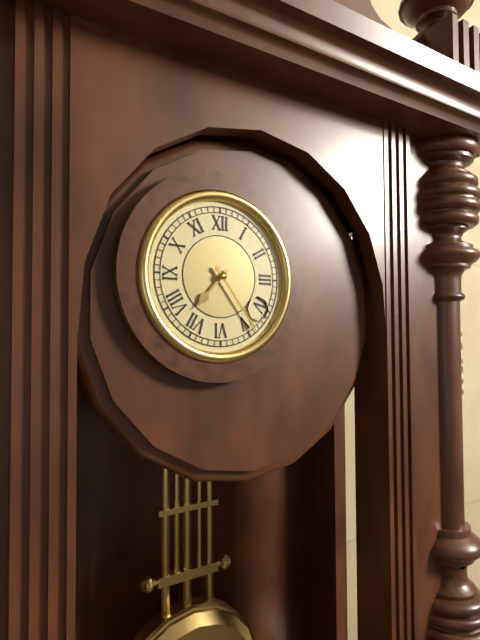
7:24
